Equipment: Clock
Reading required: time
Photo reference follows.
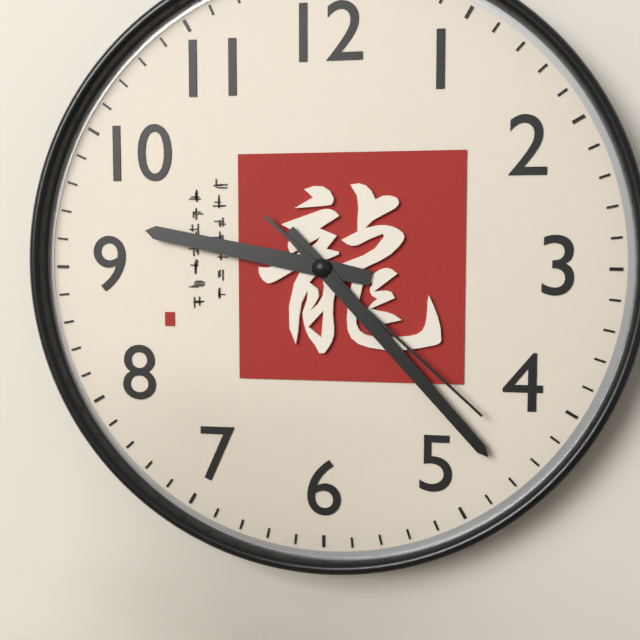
9:23:22
